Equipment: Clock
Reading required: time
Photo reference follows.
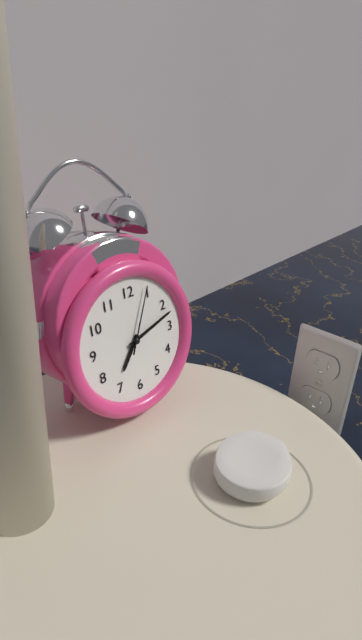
7:12:04
